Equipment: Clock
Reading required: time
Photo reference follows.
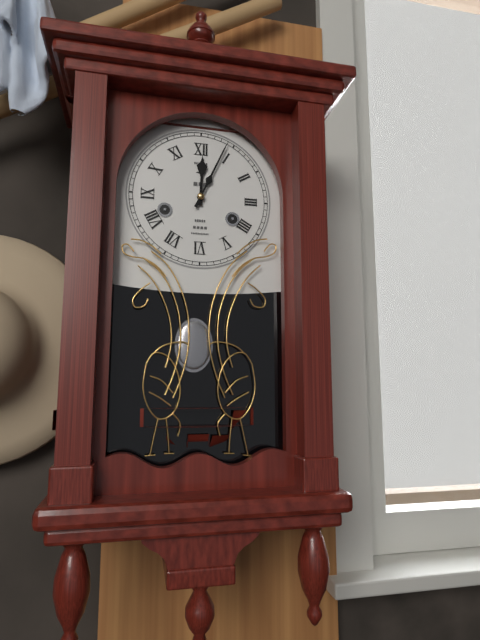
12:04
